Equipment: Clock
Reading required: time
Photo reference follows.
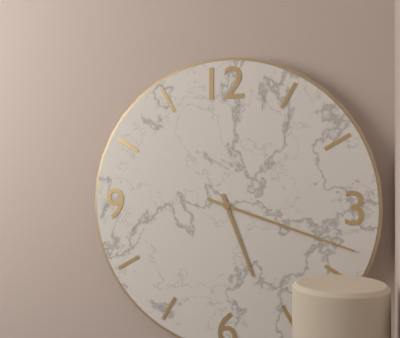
5:18
